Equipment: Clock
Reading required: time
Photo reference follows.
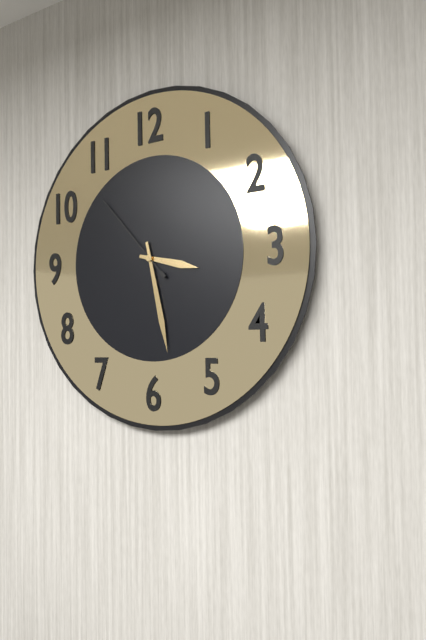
3:28:53
